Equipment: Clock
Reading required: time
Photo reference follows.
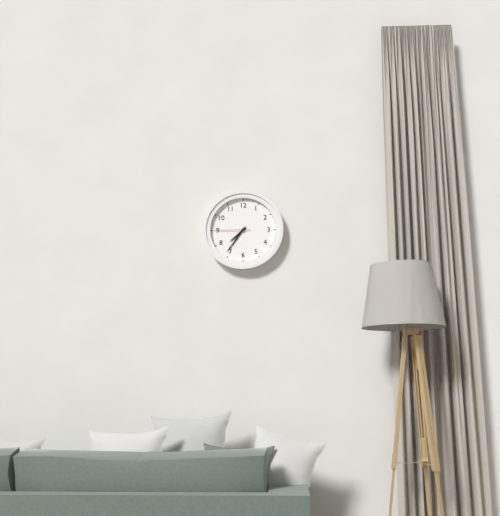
7:36
